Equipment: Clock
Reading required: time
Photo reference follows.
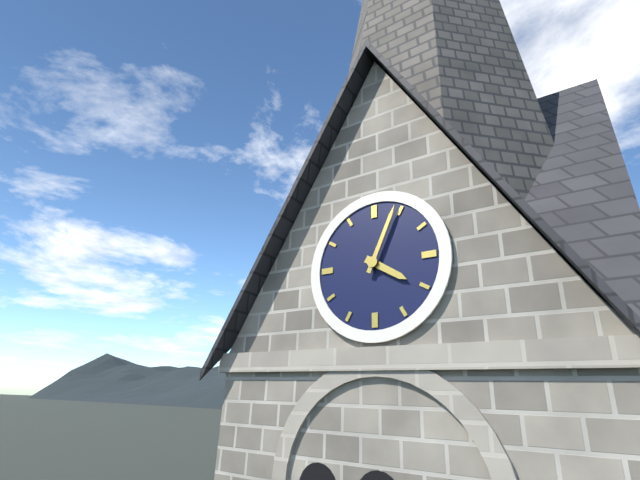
4:04
